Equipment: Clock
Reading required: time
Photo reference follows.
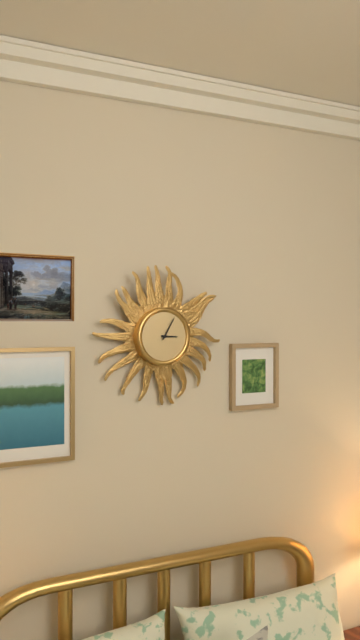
3:05
